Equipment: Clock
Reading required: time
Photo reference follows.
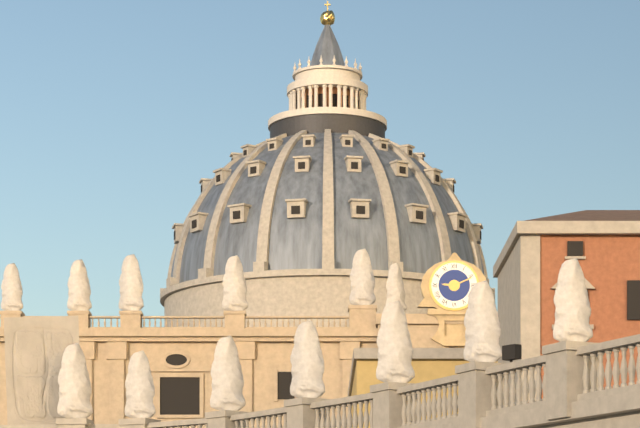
9:11
